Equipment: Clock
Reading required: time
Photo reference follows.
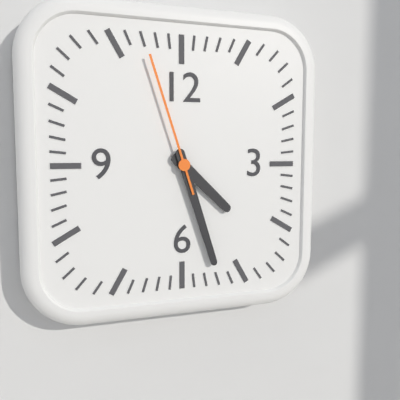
4:27:57
